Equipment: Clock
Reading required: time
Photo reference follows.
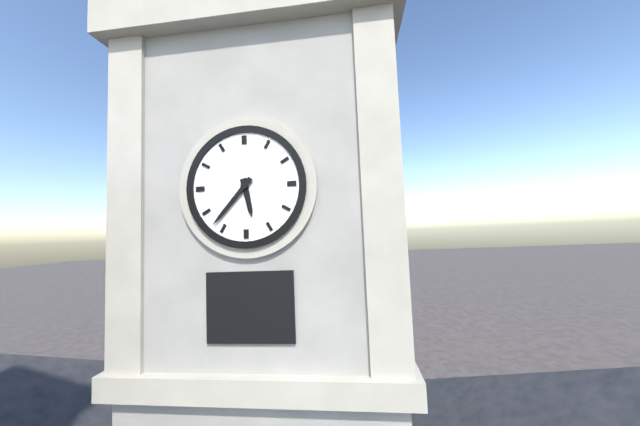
5:37
